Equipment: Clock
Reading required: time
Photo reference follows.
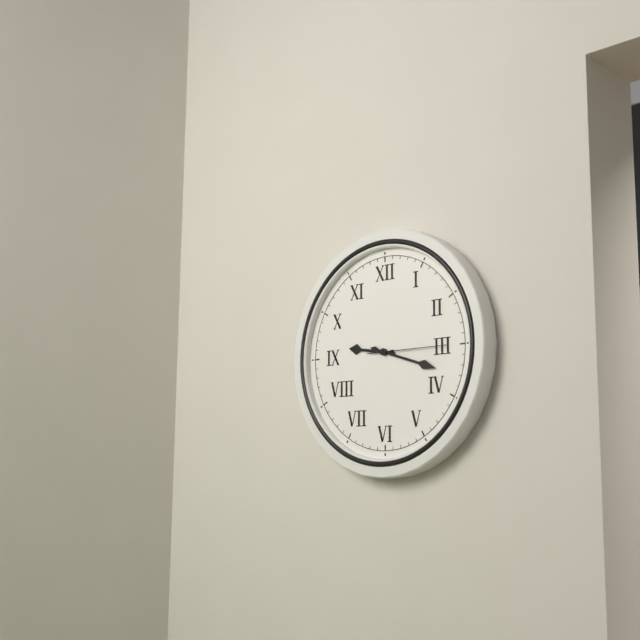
9:18:15
